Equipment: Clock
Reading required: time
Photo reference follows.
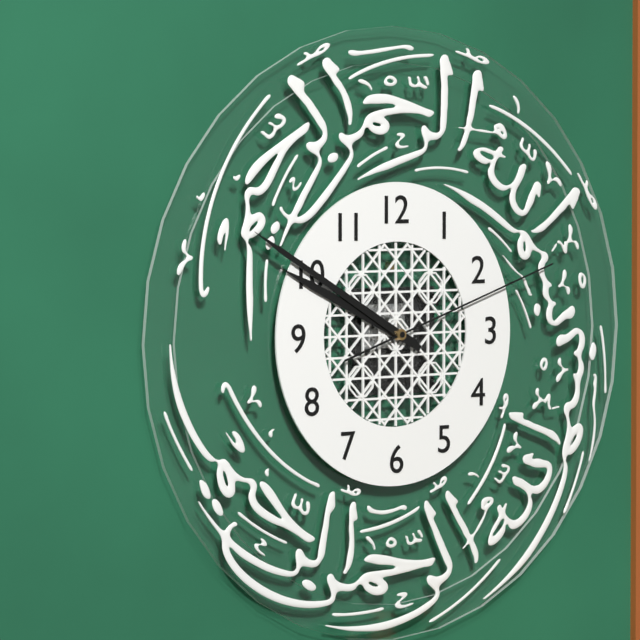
9:50:12
